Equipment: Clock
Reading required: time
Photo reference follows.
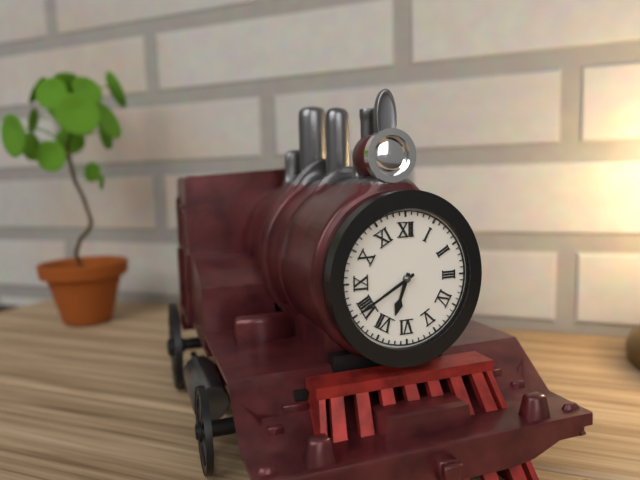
6:40
